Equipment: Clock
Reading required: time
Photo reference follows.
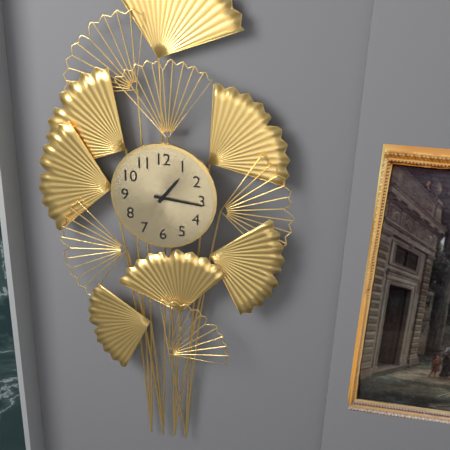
1:16
